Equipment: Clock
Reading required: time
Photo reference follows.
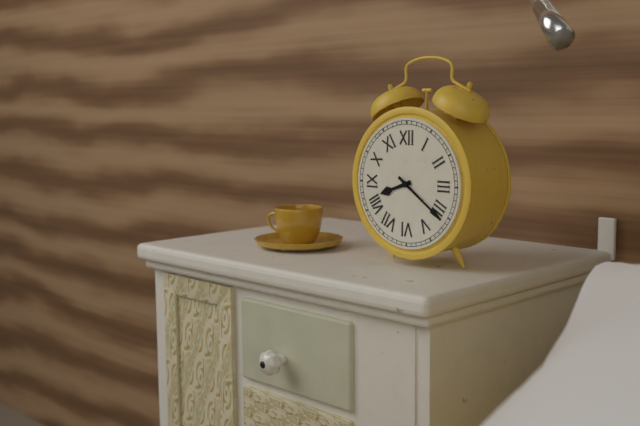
8:21
